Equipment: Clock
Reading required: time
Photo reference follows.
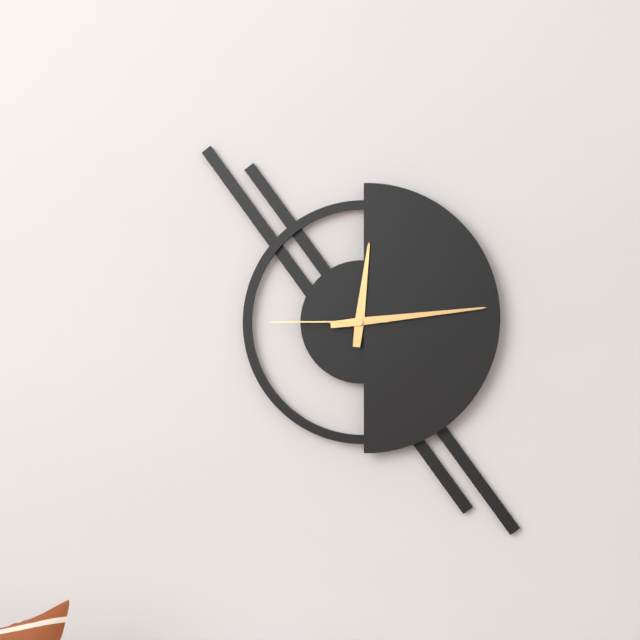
12:14:45
